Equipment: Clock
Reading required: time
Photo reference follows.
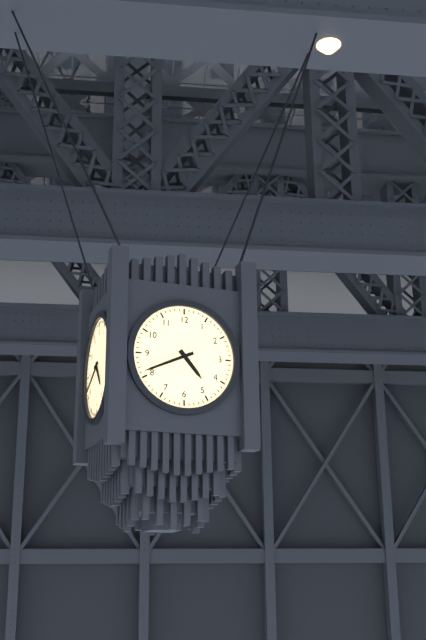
4:41
